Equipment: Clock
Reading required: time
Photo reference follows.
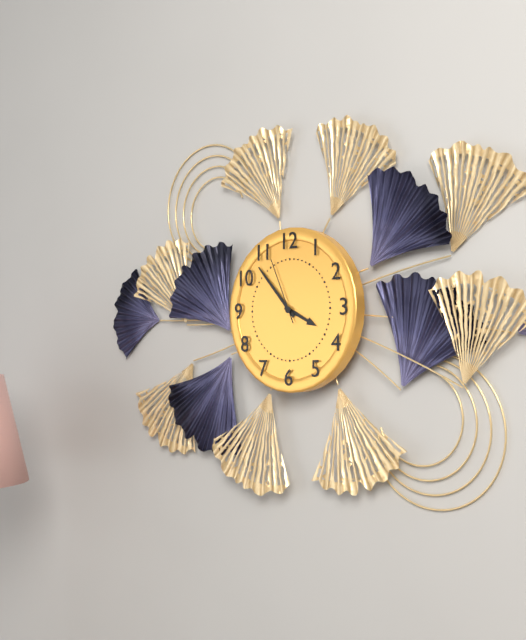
3:53:56
